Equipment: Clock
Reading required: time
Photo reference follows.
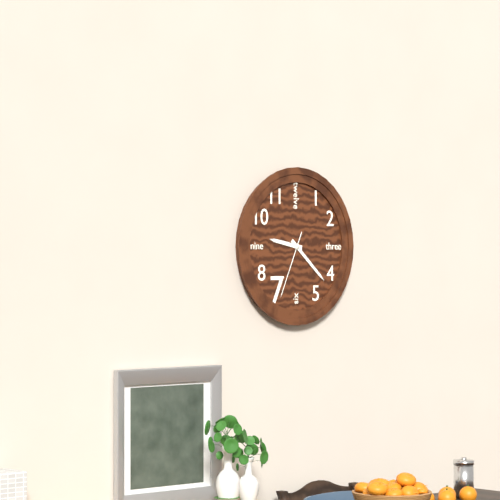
9:22:34
